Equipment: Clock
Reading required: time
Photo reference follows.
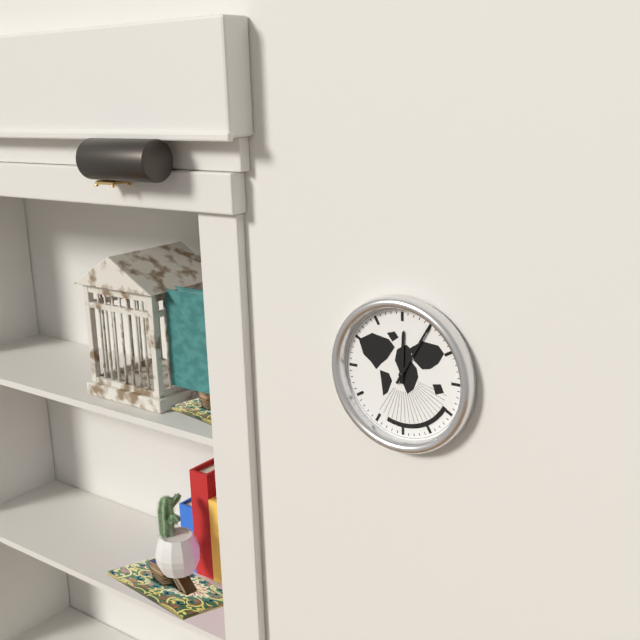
12:05
